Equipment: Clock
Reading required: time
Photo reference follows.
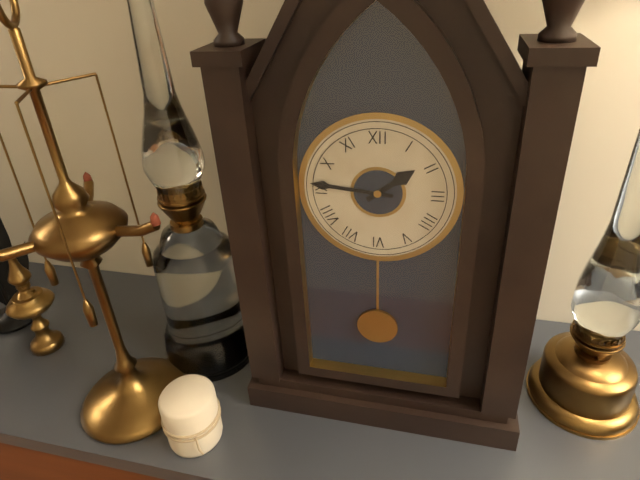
1:46
